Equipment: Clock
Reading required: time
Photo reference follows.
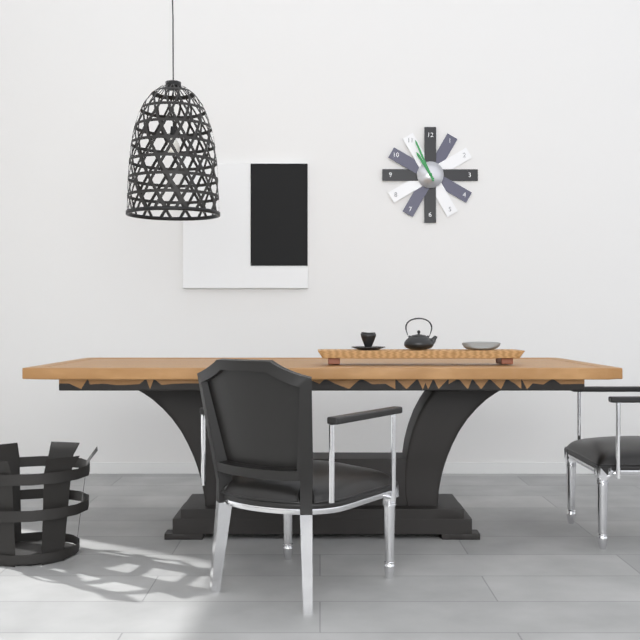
10:56
